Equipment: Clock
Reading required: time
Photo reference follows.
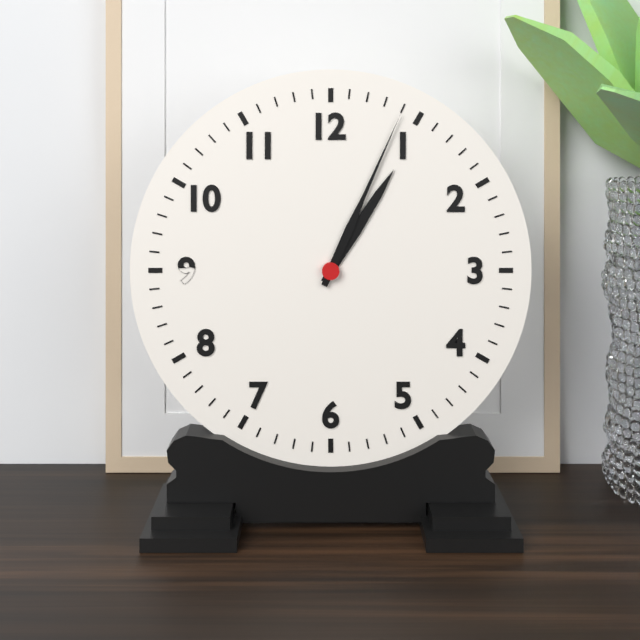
1:04
